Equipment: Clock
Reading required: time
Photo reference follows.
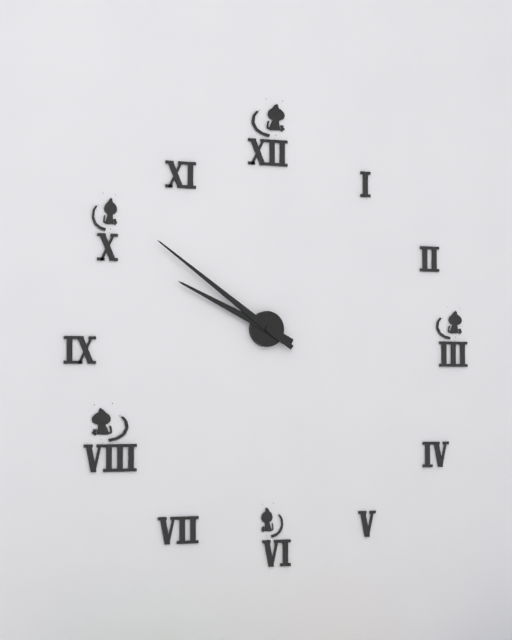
9:51
